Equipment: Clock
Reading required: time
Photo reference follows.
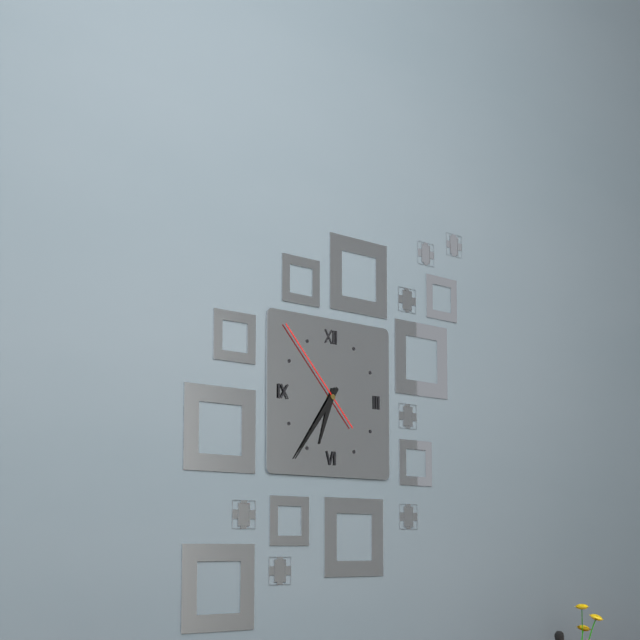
6:36:53
